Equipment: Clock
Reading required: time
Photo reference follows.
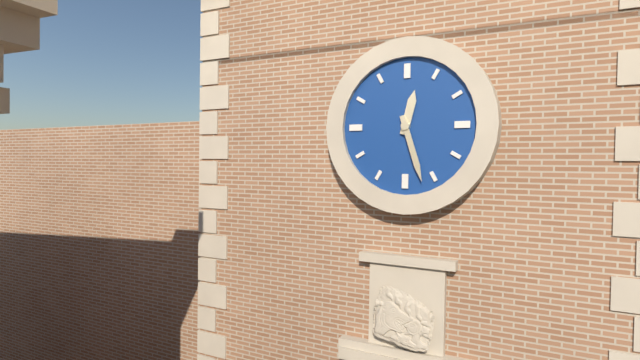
12:27
